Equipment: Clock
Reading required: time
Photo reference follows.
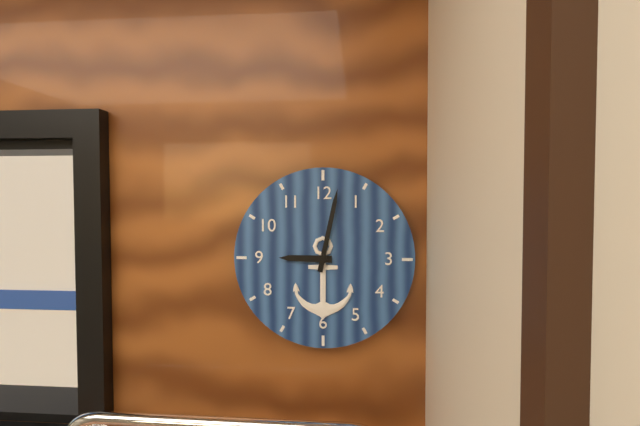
9:02
